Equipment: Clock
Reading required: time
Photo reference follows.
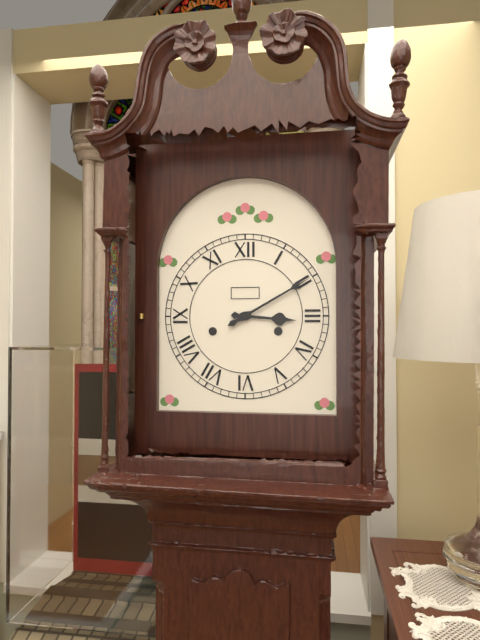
3:10
